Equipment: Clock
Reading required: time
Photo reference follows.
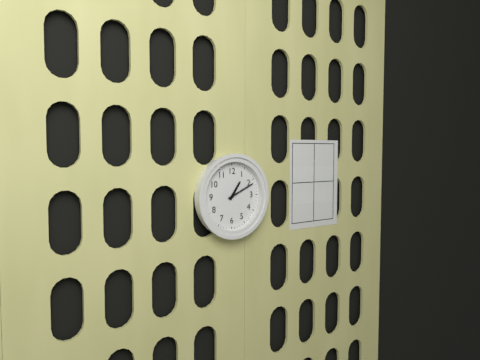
1:11
